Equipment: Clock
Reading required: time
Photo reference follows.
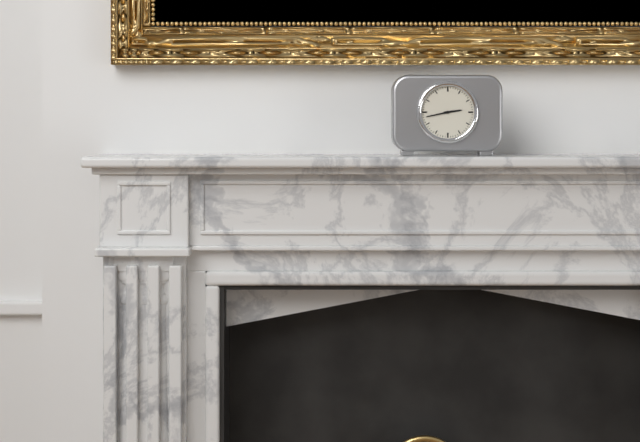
2:43
